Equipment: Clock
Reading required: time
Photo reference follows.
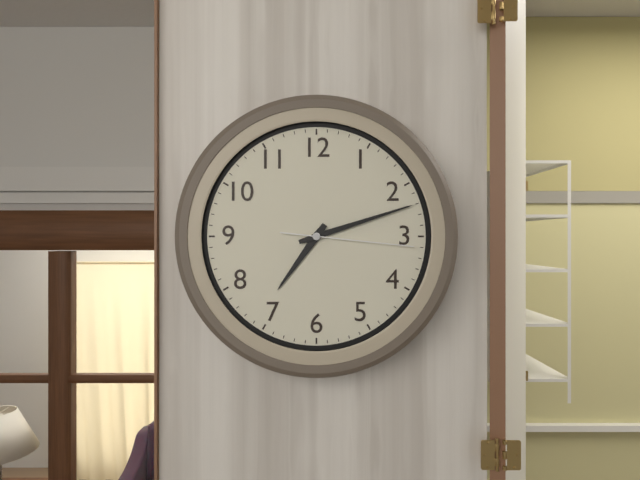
7:12:16
